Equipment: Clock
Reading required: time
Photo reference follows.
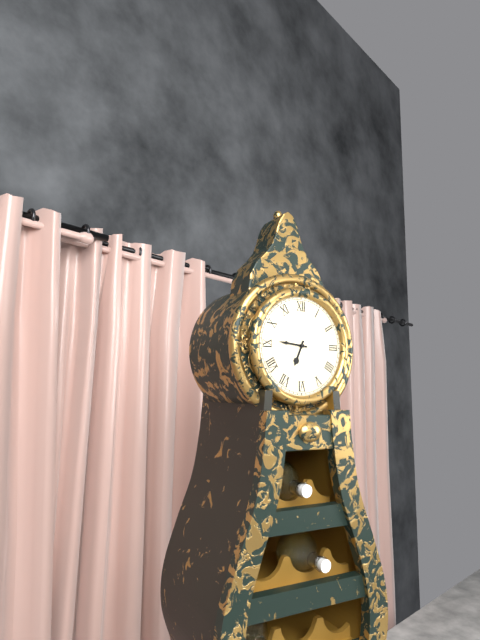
6:46
